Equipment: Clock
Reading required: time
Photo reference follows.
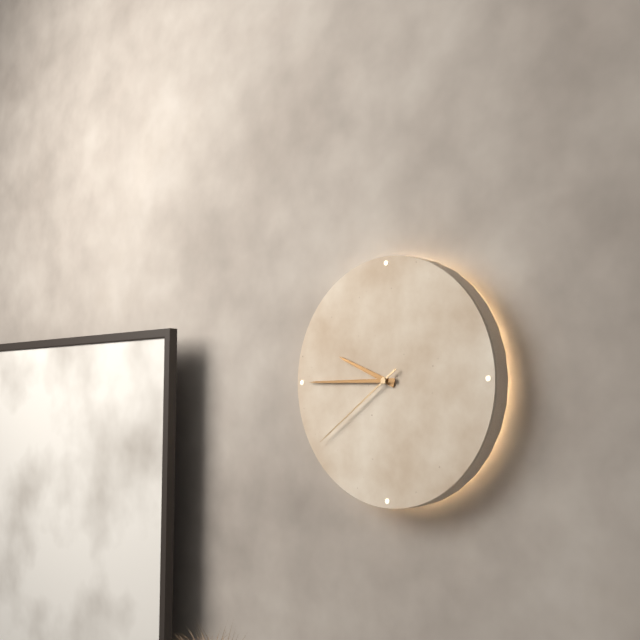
9:45:39
